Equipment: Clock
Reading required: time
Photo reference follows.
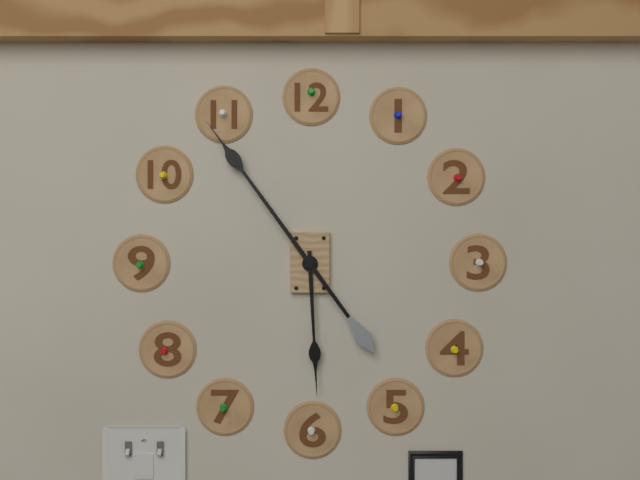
5:54
